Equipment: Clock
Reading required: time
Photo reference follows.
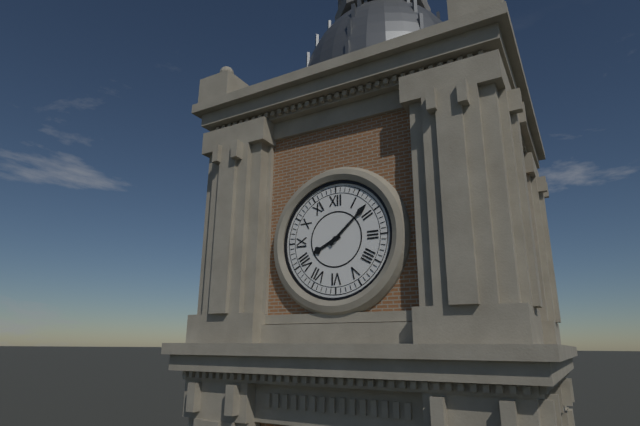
8:08
